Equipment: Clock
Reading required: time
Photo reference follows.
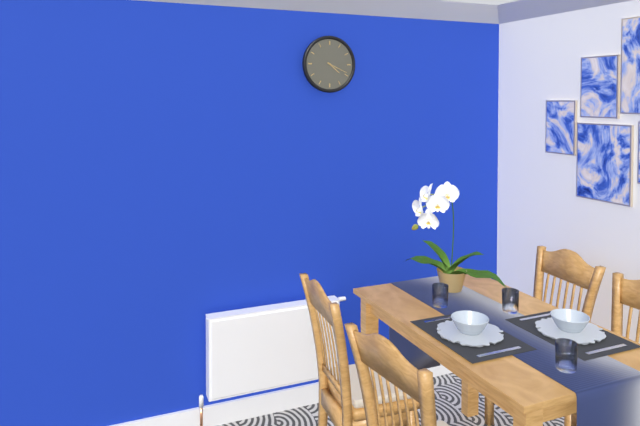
4:19
